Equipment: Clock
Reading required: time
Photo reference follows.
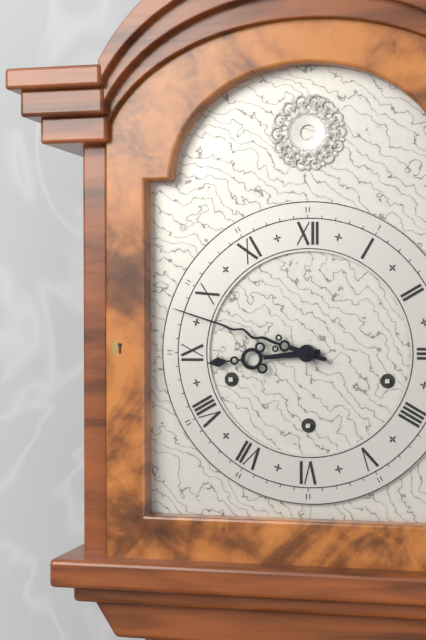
8:48
